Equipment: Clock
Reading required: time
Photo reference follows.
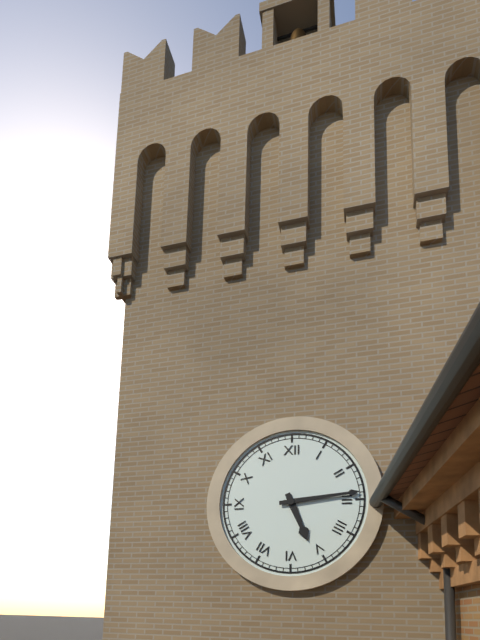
5:14
